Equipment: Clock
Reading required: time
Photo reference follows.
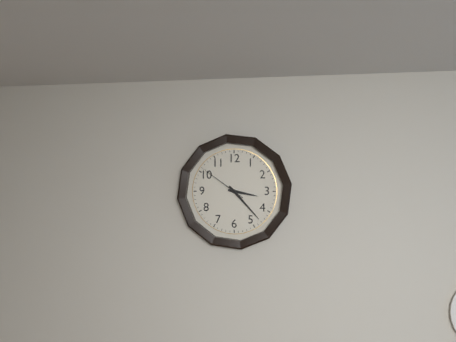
3:23
